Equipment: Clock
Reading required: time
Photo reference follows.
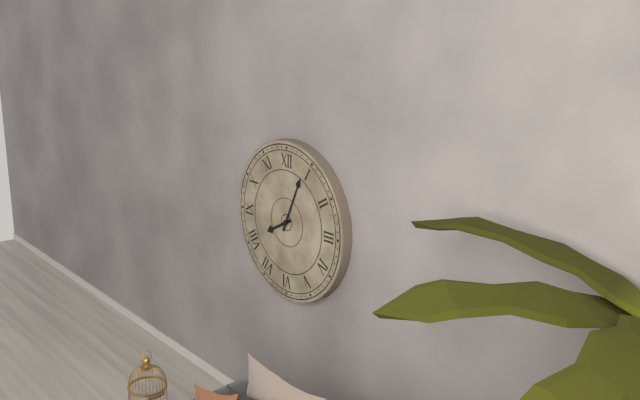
8:04
